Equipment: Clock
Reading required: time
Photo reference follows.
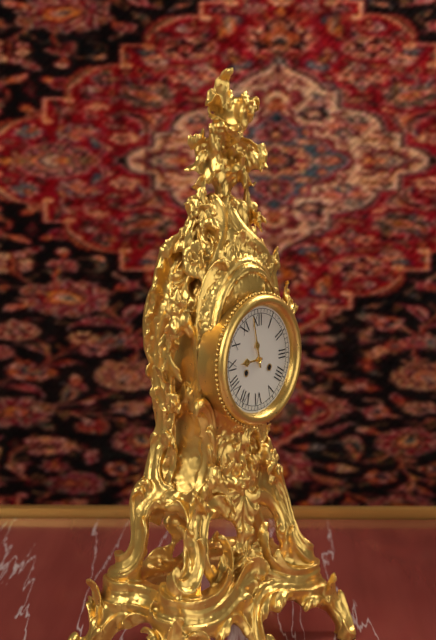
8:58
